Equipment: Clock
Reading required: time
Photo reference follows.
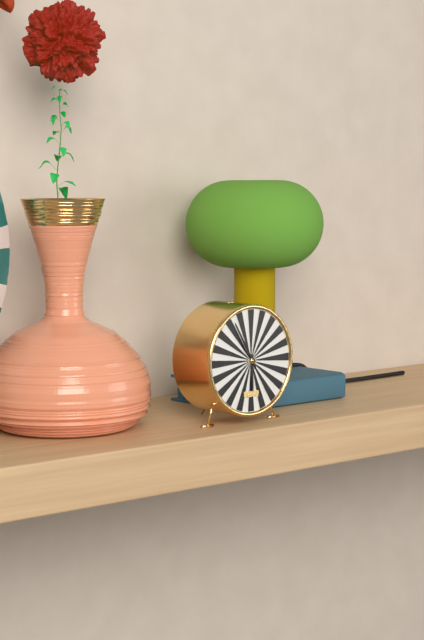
5:55
